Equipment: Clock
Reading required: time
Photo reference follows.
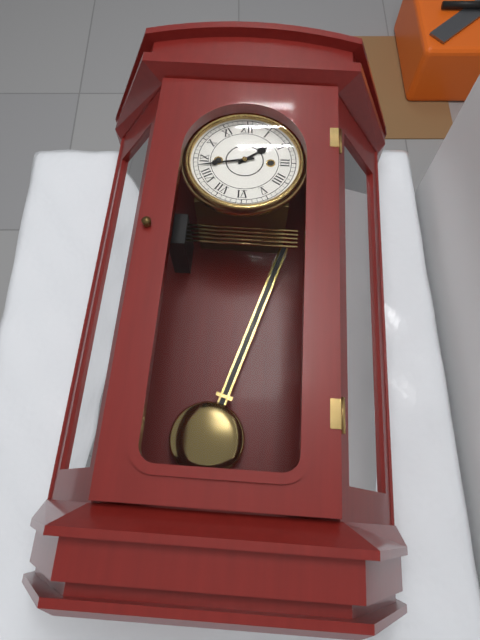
1:43
